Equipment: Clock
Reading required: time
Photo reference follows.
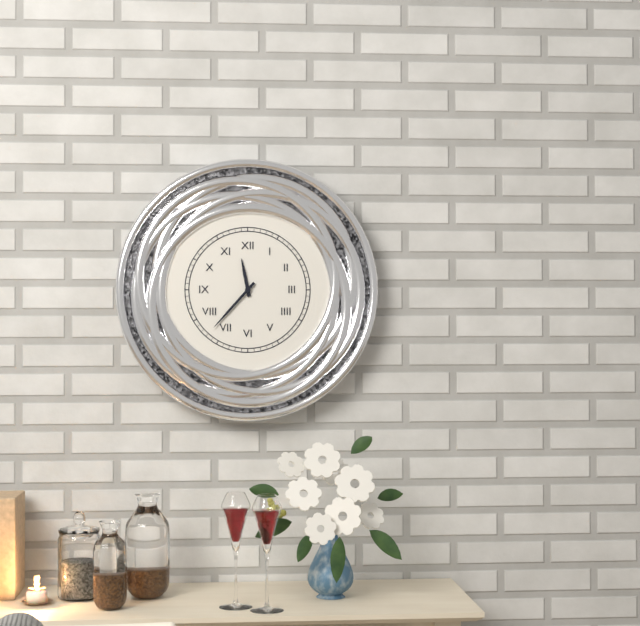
11:37
